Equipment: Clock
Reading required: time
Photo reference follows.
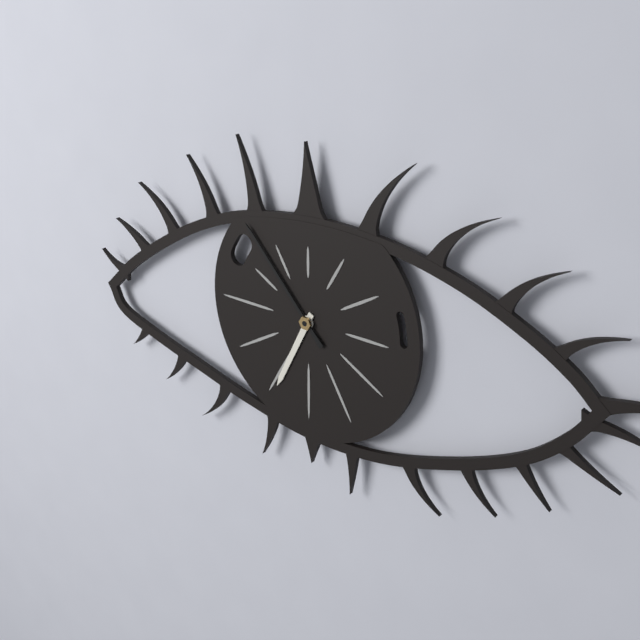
6:53
